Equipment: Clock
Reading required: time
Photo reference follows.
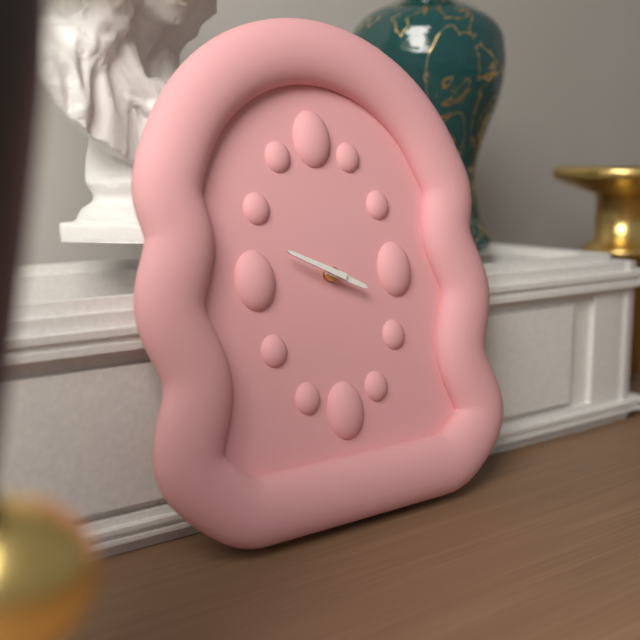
3:49
